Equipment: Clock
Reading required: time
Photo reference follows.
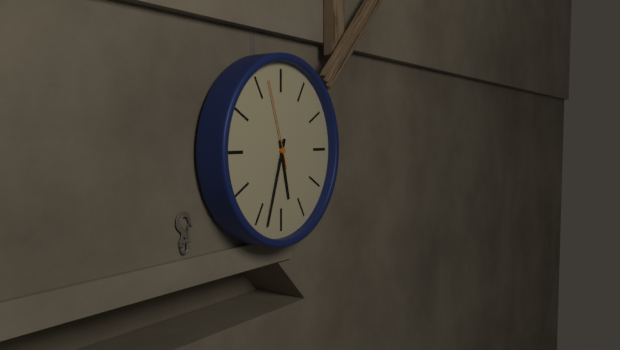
5:33:57
